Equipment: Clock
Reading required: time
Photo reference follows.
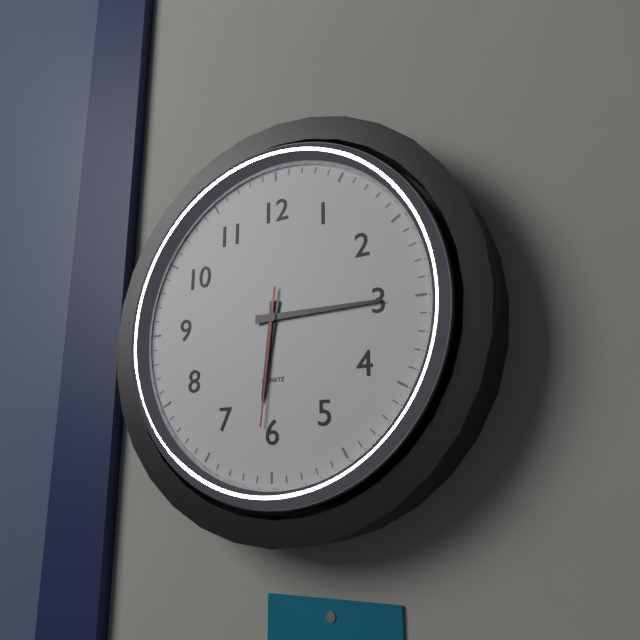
6:15:31
